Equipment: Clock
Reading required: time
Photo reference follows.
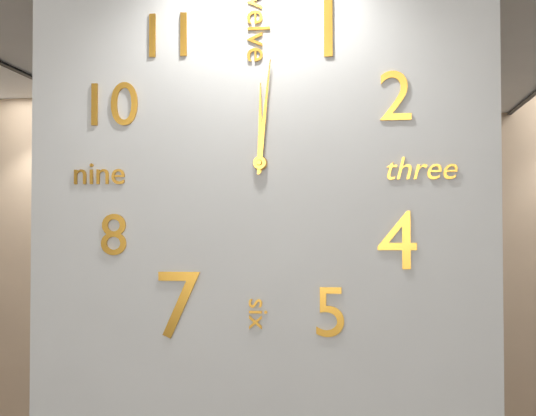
12:01
